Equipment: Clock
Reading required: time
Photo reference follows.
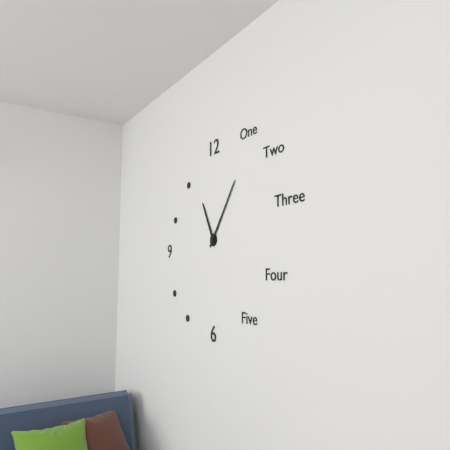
11:06
